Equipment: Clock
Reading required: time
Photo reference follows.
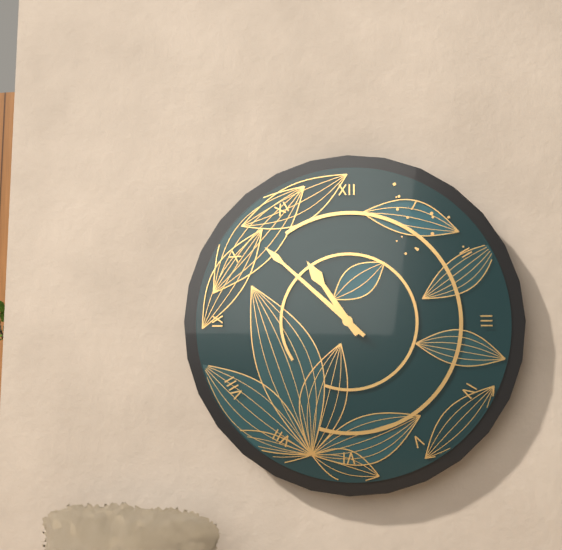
10:52
